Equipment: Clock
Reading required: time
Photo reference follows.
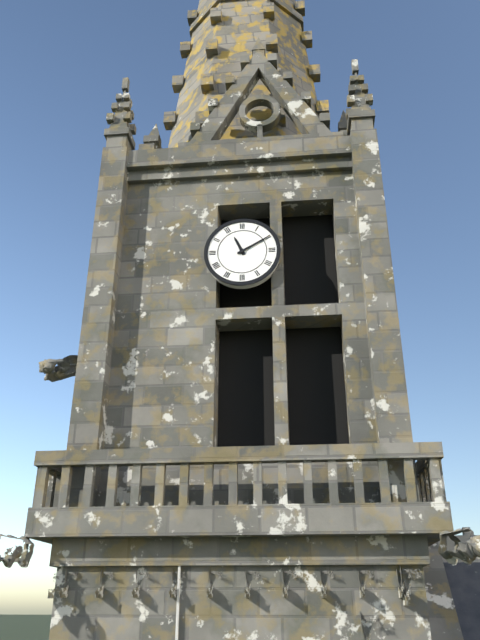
11:10
